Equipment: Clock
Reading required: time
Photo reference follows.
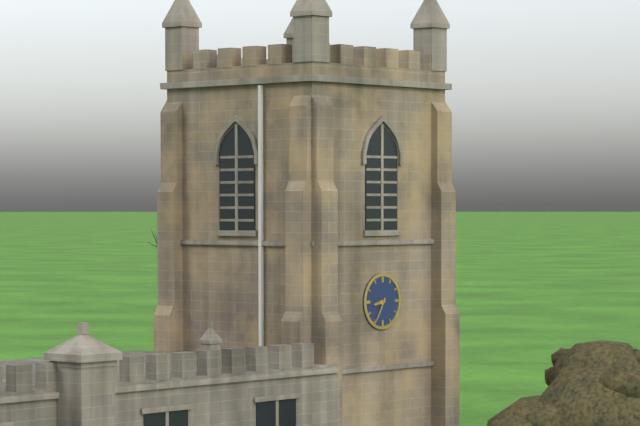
8:35
